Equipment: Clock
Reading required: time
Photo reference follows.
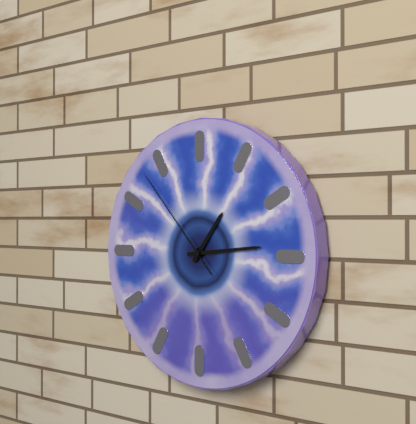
1:14:53
